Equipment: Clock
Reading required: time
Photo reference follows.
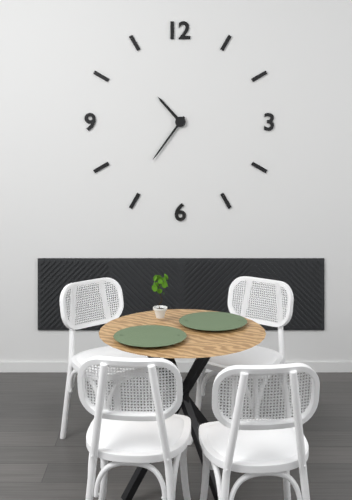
10:36
